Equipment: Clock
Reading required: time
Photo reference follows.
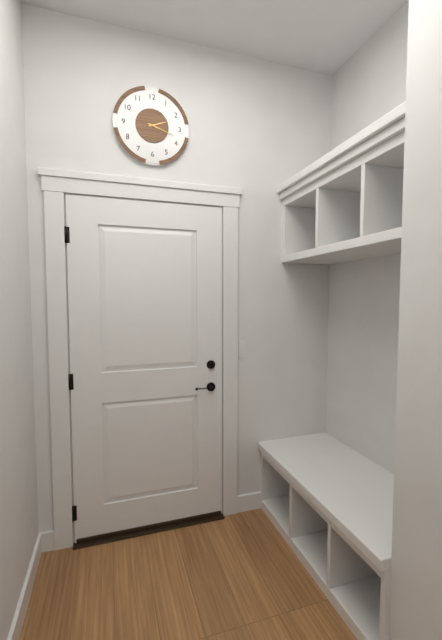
2:18
